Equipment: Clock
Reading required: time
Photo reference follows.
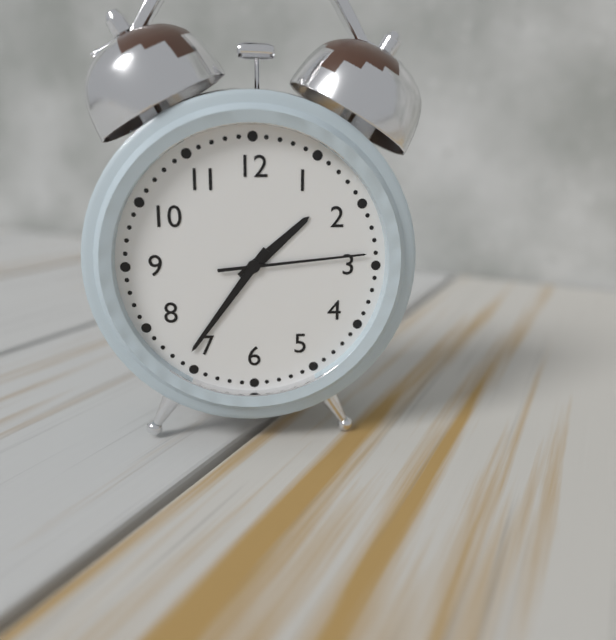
1:36:14
